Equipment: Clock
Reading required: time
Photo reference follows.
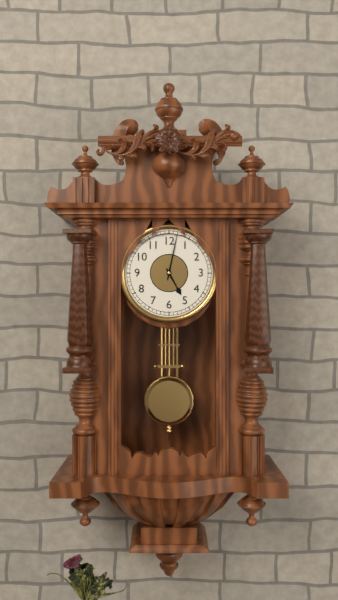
5:02
